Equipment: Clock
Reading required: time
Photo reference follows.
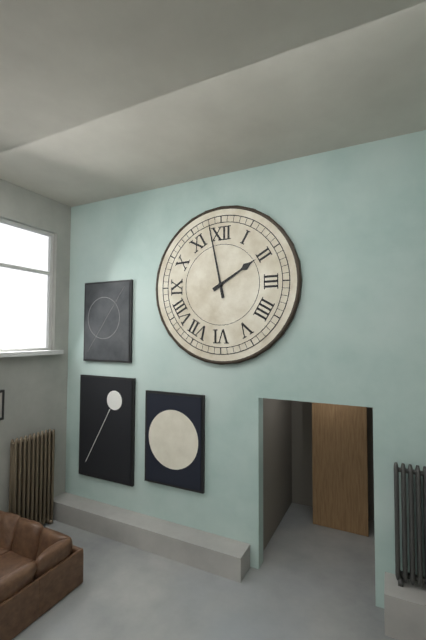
1:58
